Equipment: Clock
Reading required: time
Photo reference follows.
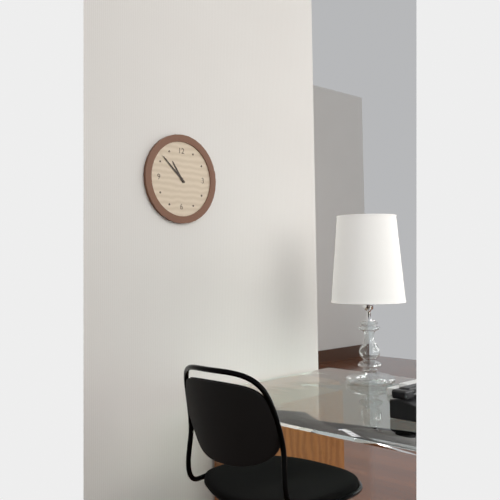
10:52
